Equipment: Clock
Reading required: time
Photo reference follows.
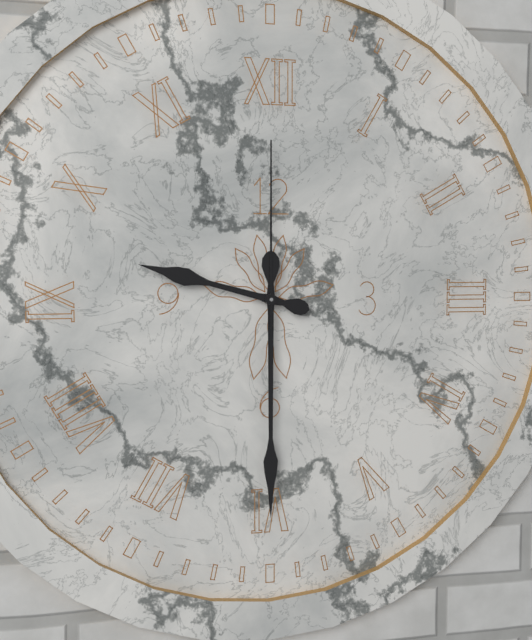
9:30:00
